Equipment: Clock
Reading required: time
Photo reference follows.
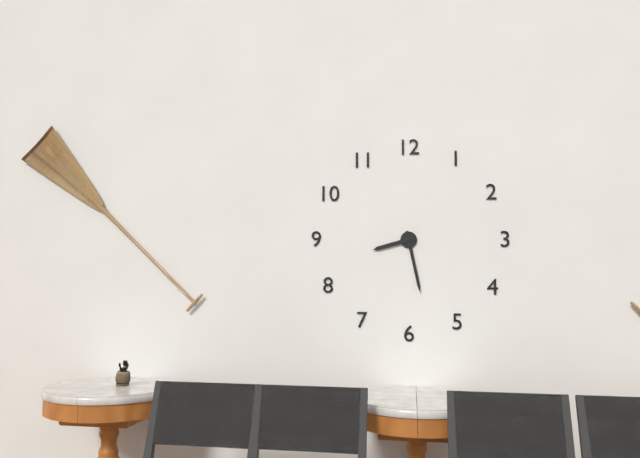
8:28
